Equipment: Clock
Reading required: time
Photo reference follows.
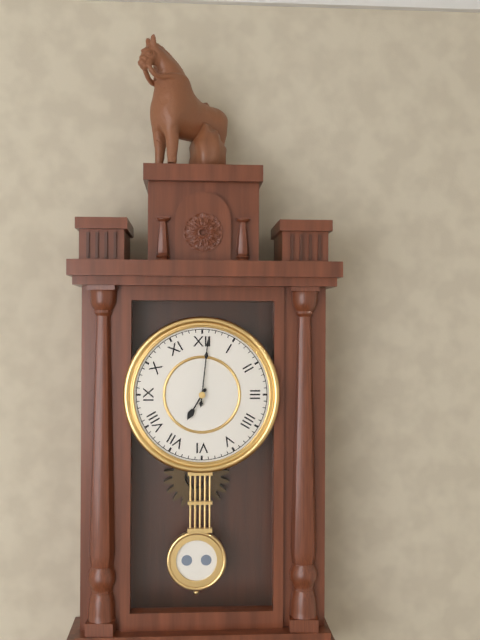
7:01
